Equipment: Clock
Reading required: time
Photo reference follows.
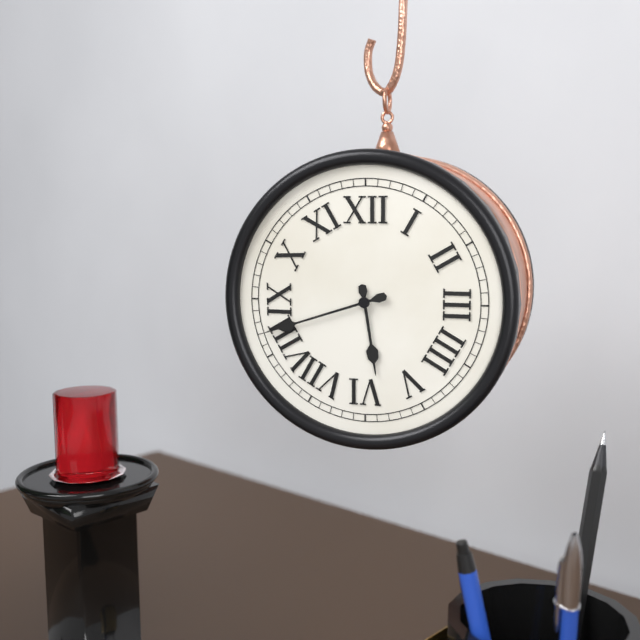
5:42
